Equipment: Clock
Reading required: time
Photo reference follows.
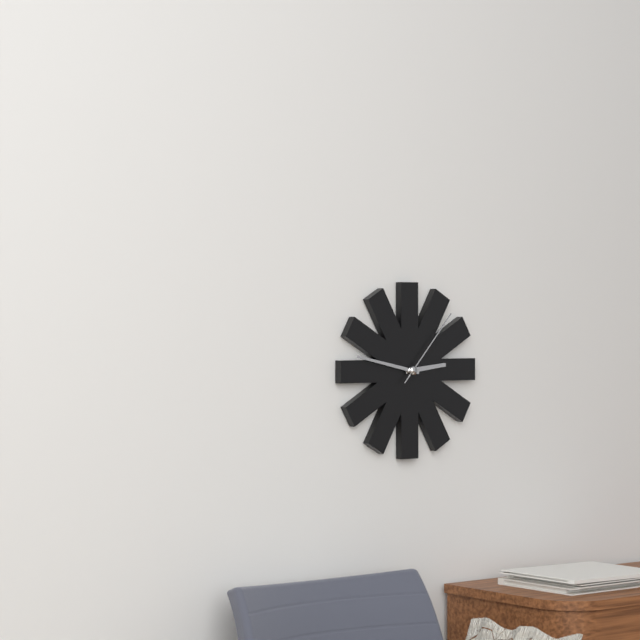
2:47:07
